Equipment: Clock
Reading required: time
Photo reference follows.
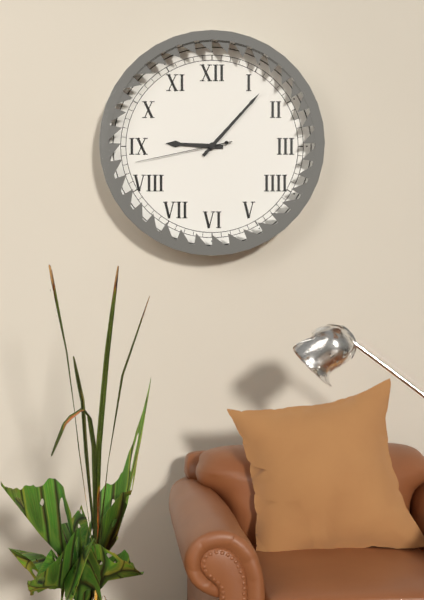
9:07:43
